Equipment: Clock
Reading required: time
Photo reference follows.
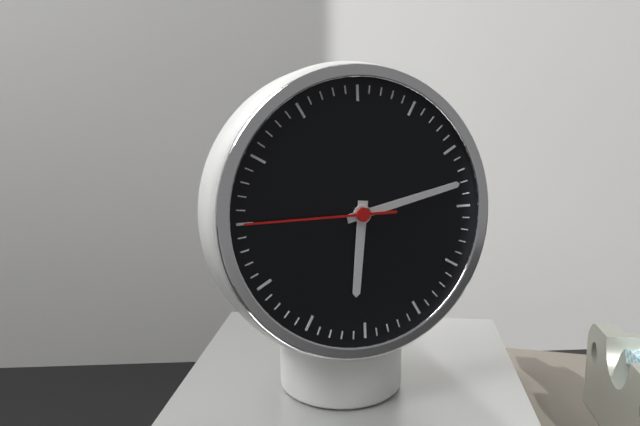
6:13:45
